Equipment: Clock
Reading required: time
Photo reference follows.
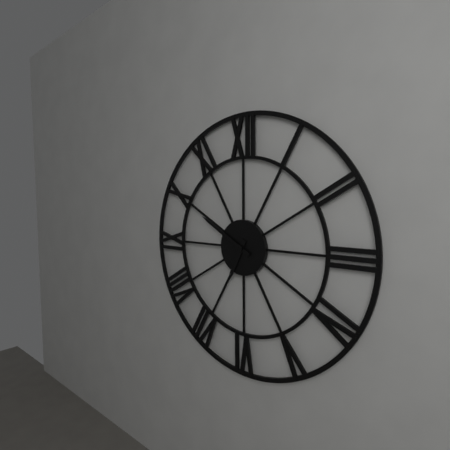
6:50
